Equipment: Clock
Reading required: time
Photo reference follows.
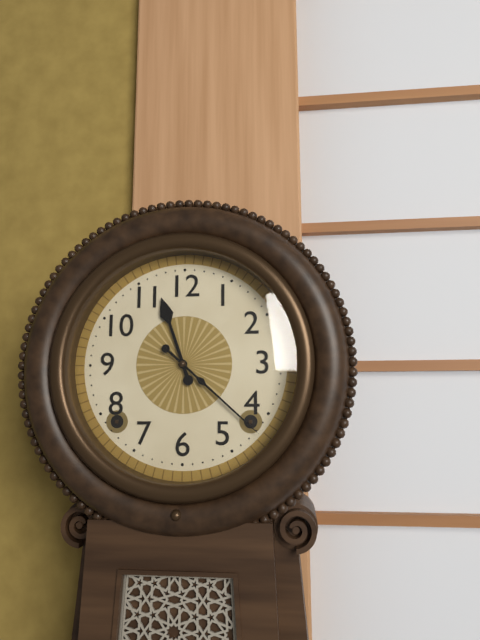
11:22
